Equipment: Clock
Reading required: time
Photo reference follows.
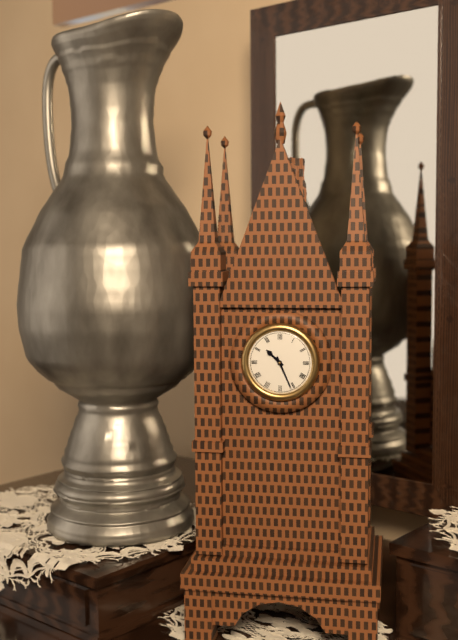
10:26
